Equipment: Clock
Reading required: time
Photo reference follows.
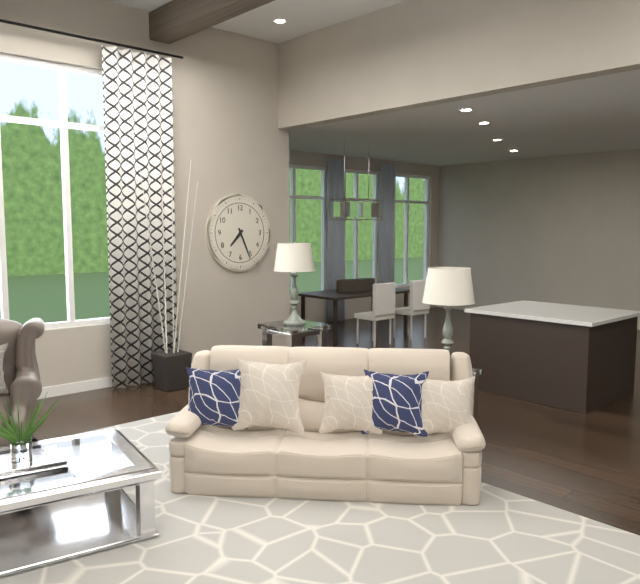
7:26
